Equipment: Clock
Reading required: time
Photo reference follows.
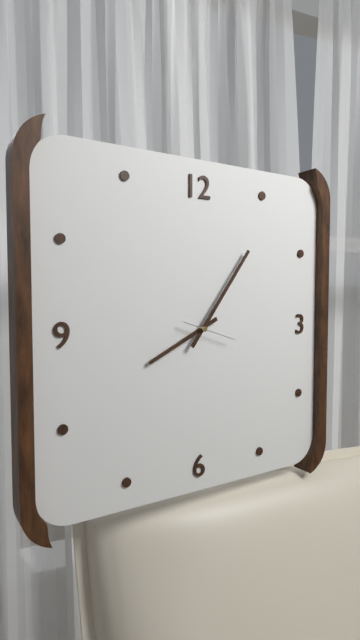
8:06
